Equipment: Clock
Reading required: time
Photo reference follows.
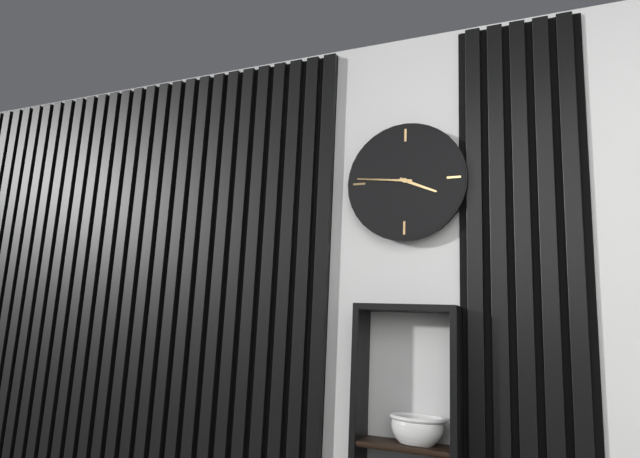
3:46
